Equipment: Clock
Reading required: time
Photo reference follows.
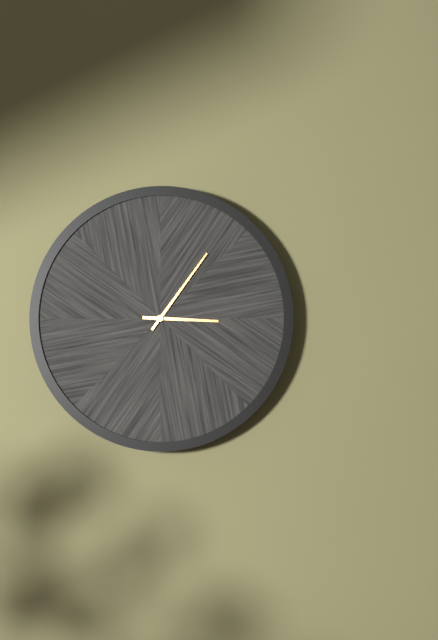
3:06
